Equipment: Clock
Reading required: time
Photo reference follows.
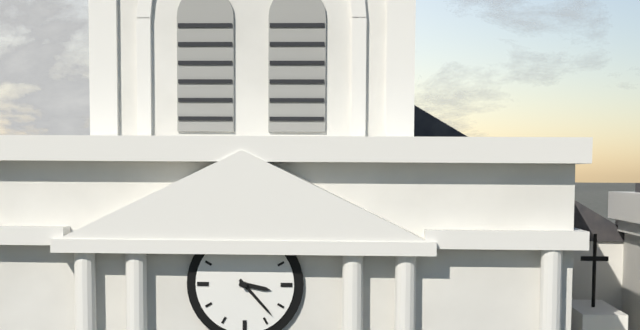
3:23
